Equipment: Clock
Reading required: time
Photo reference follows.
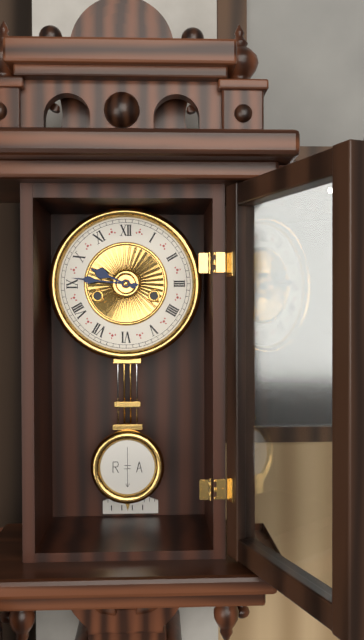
9:46
